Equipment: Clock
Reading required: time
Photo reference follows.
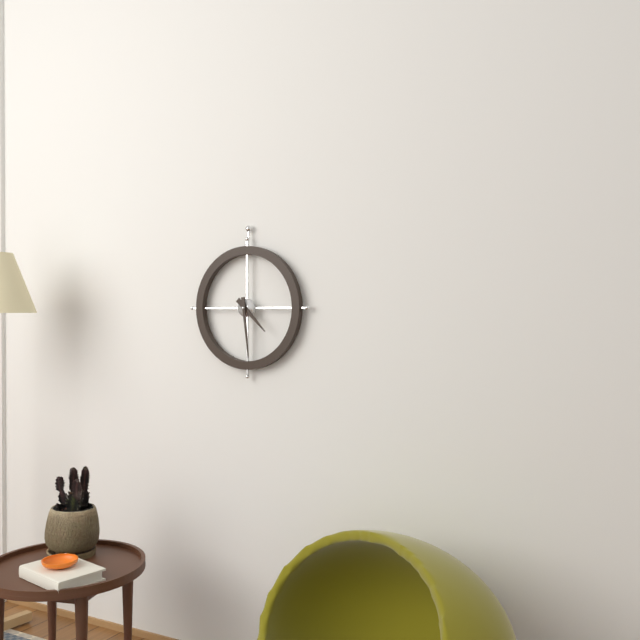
4:29
